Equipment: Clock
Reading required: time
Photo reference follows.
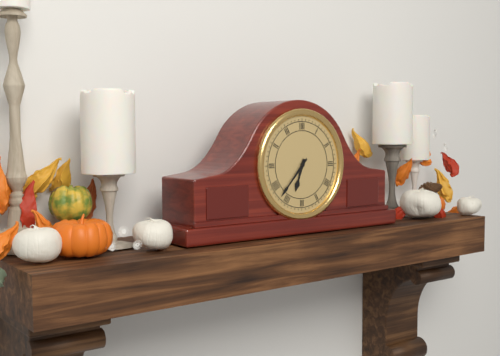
6:37
